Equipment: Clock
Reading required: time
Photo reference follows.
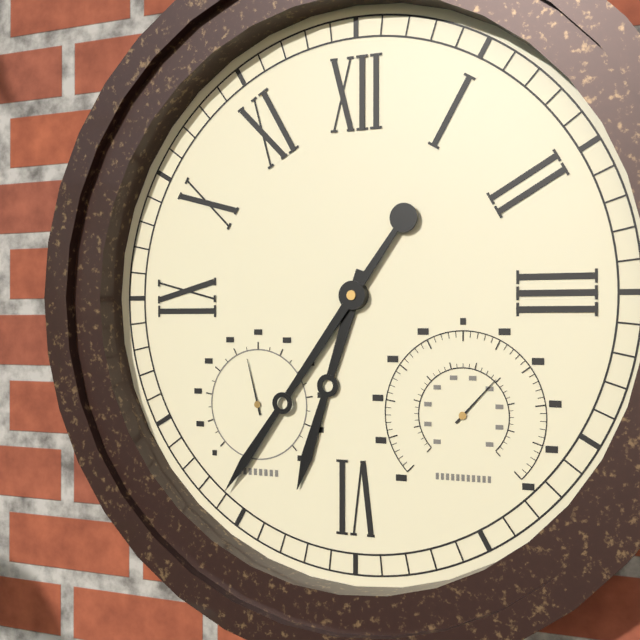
6:36
